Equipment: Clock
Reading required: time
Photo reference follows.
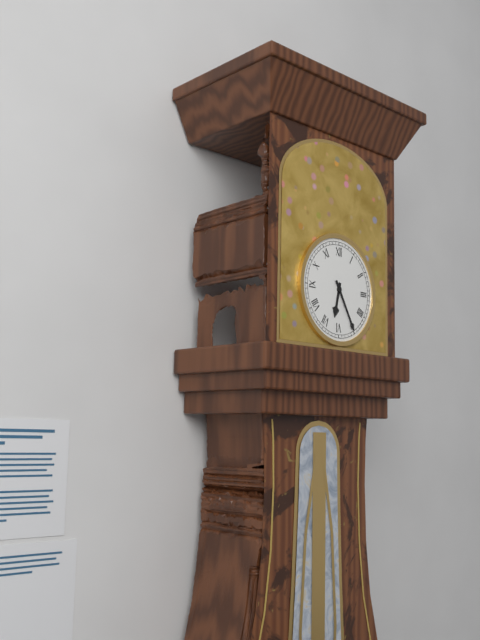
6:25
